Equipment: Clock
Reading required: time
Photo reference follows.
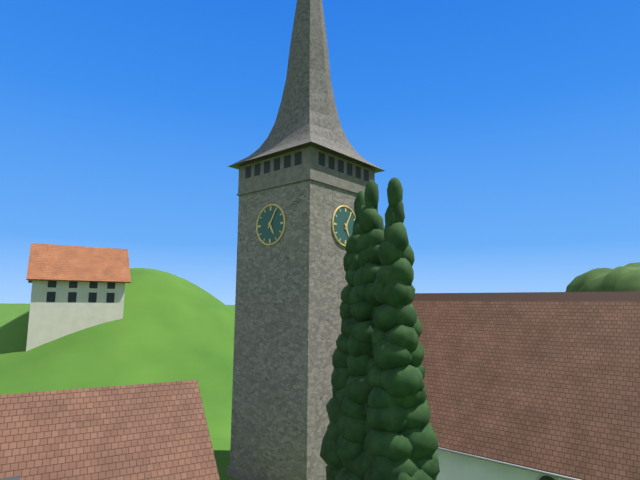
5:05
